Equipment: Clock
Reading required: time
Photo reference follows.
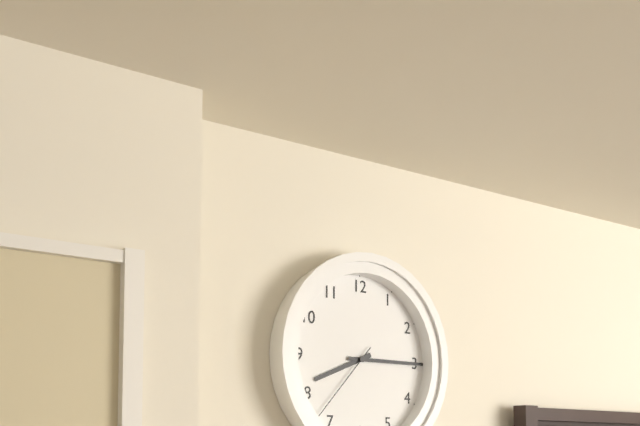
8:15:37
